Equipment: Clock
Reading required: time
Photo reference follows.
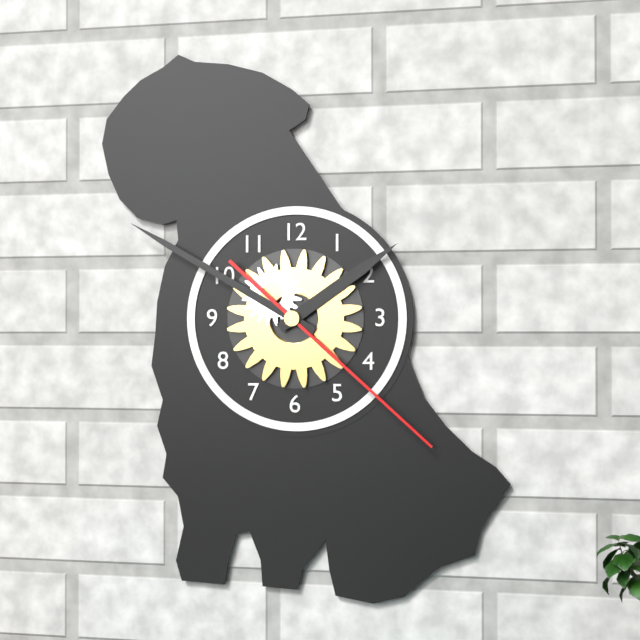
1:50:22
